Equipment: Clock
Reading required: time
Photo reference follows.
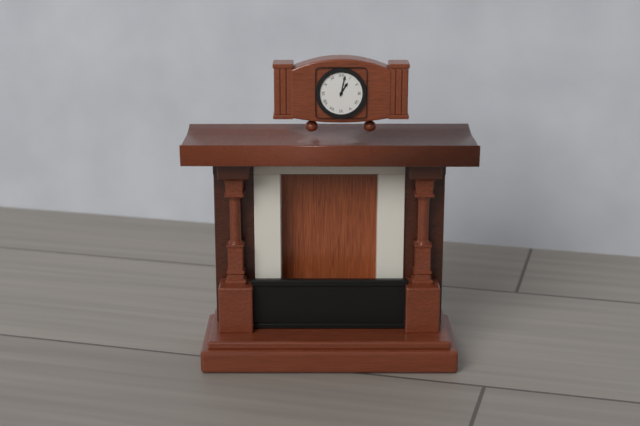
1:02
